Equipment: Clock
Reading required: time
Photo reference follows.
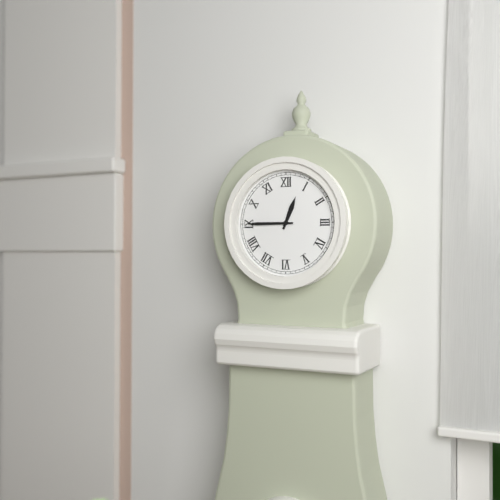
12:45
